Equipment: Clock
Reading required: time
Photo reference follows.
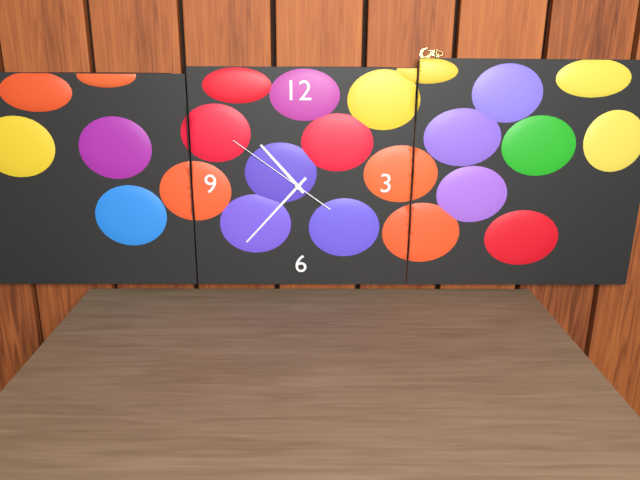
10:37:51
